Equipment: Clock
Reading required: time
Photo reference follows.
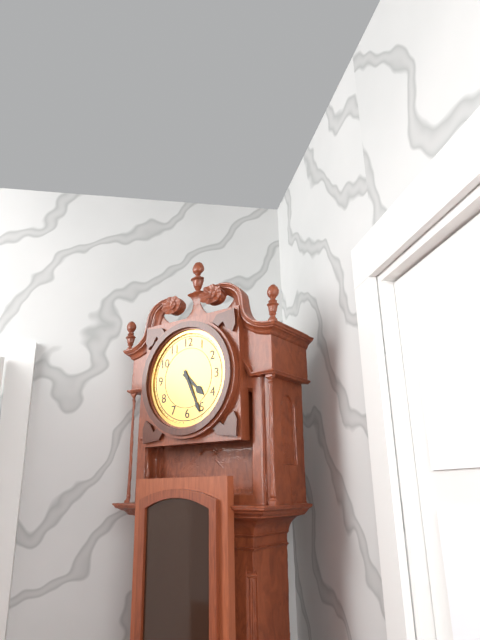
4:26
